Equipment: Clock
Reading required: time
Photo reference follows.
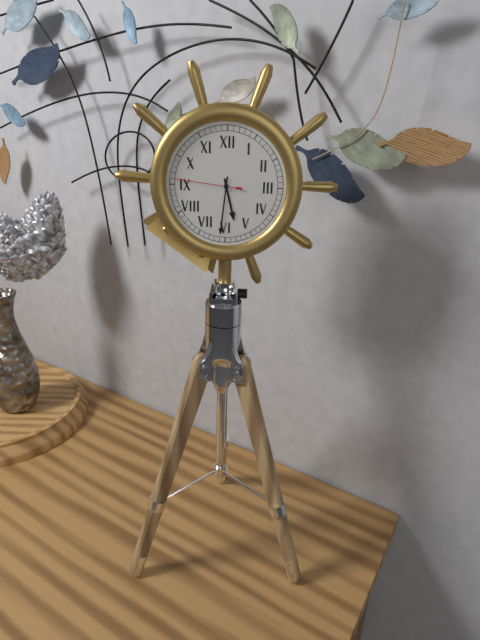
5:31:46
